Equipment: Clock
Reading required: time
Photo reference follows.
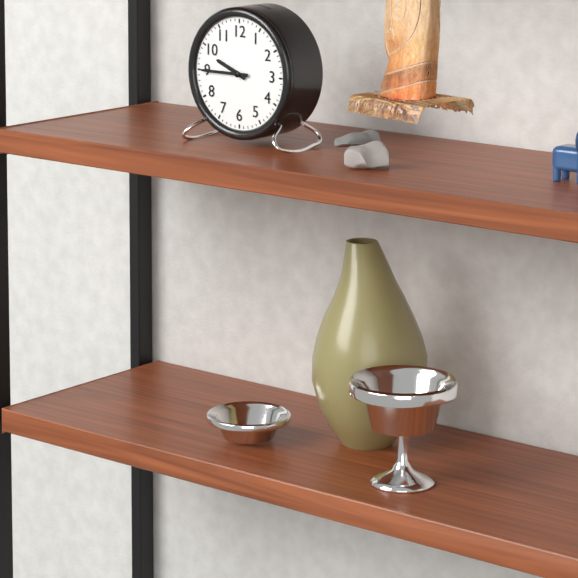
9:45
